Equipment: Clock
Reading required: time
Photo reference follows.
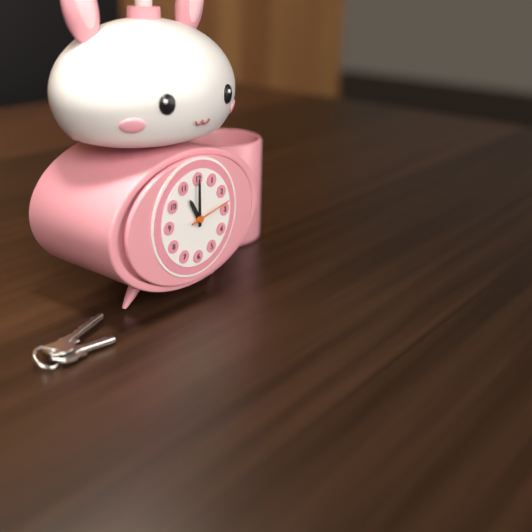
11:00
